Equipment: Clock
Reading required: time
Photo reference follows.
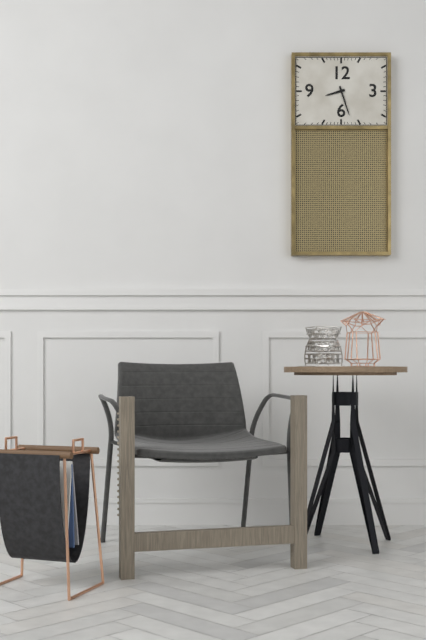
8:27
